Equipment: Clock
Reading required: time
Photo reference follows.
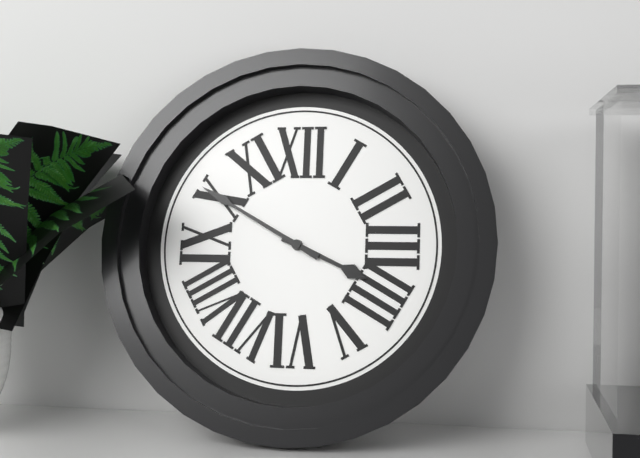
3:50
